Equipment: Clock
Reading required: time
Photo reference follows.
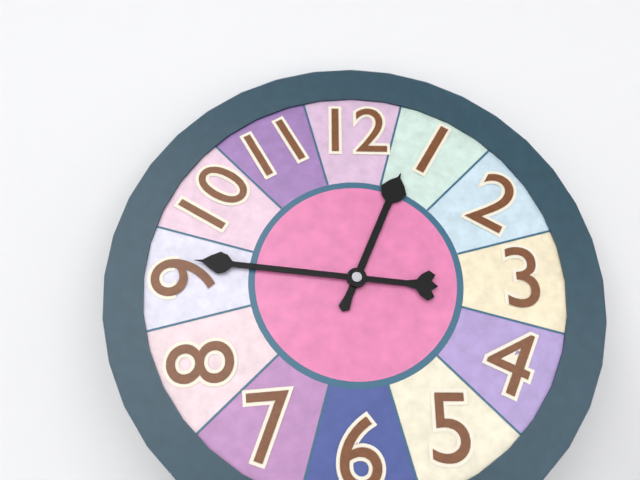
12:46
